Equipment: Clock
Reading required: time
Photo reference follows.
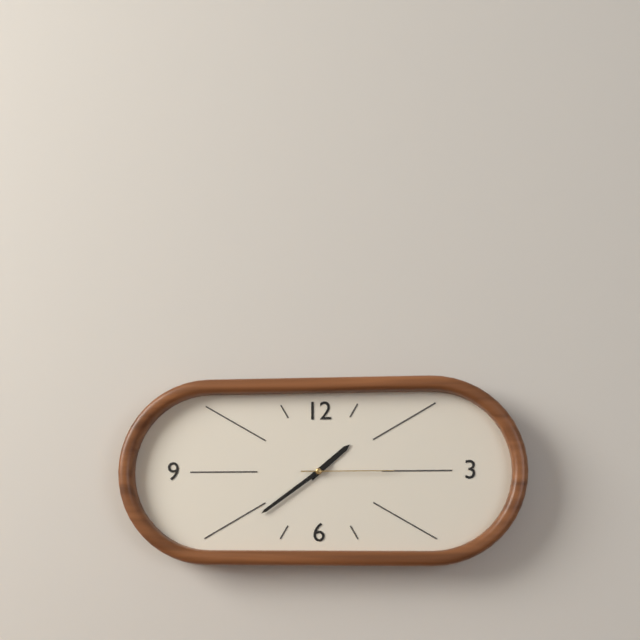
1:39:15
